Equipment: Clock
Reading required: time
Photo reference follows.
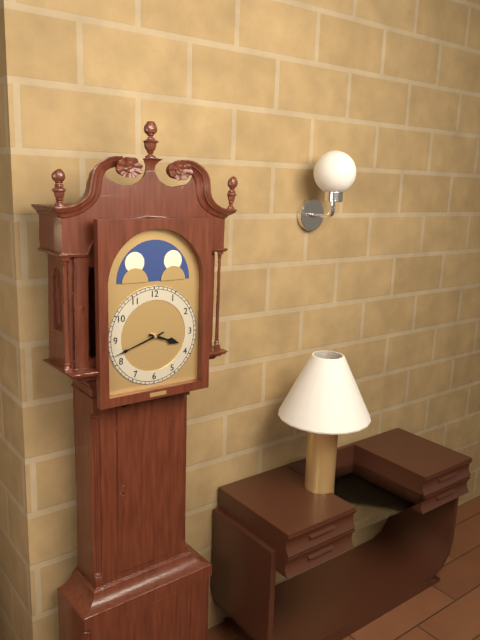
3:42
